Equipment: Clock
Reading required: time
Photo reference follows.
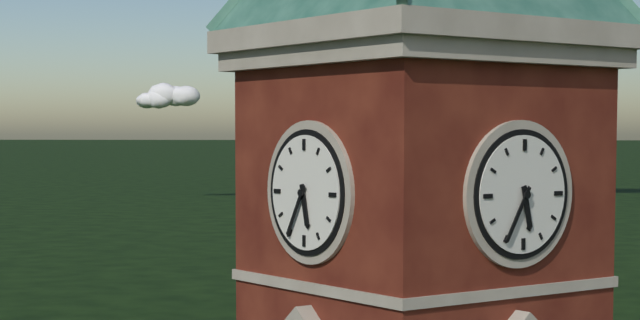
5:35
